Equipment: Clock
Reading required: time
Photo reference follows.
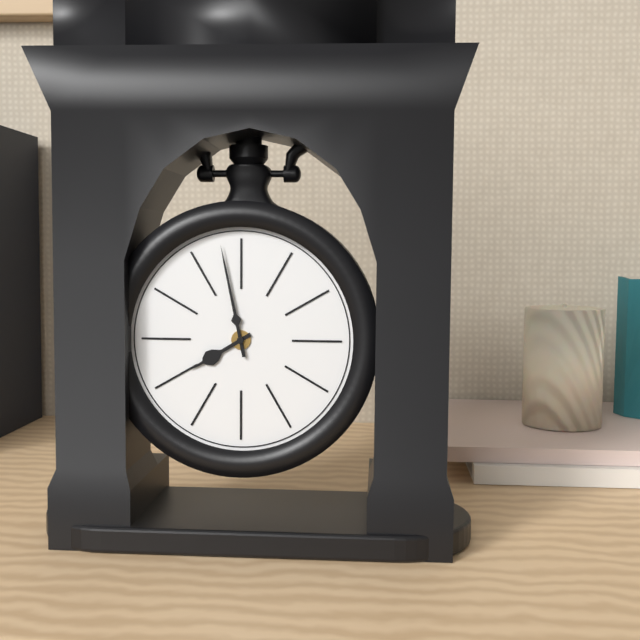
7:58
